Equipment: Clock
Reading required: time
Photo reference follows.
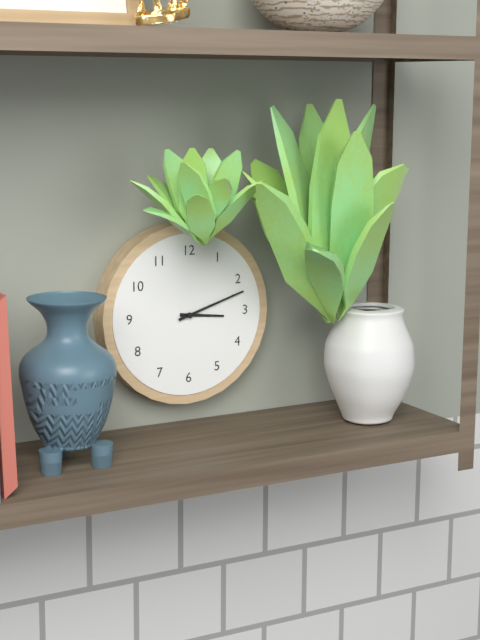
3:12
